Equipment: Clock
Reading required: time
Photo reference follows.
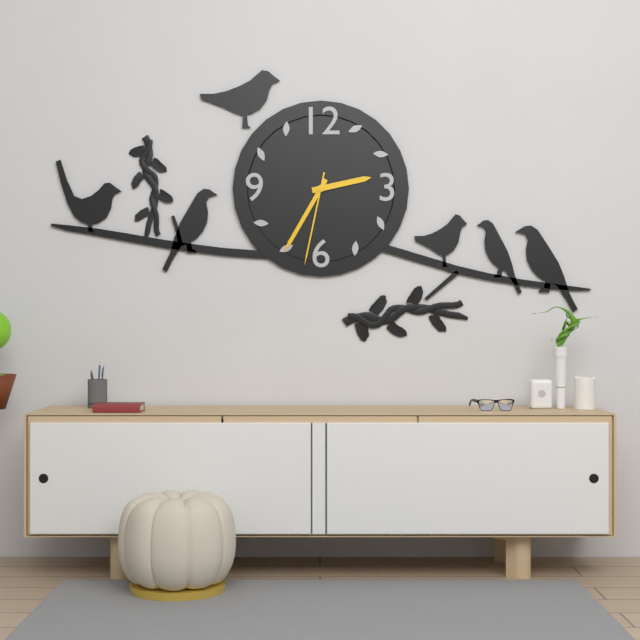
2:35:32
